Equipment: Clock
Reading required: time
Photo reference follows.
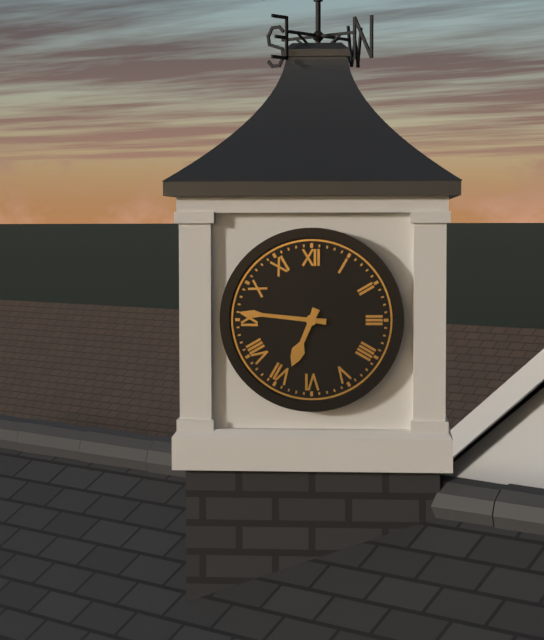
6:46
